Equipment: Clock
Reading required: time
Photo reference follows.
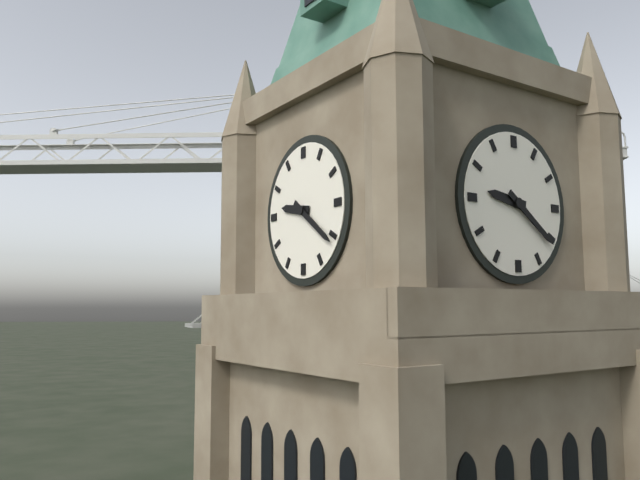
9:21
